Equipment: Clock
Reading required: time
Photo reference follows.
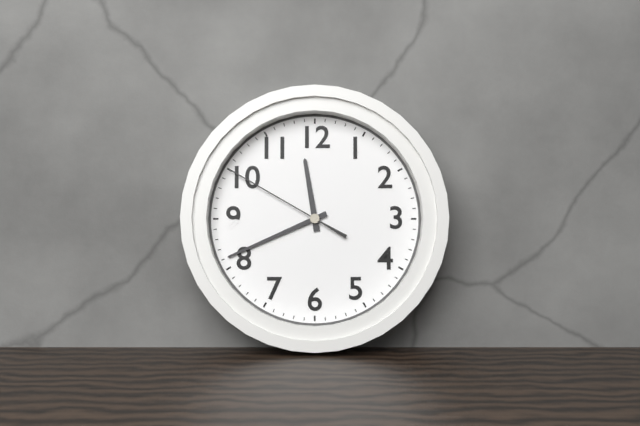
11:41:50
